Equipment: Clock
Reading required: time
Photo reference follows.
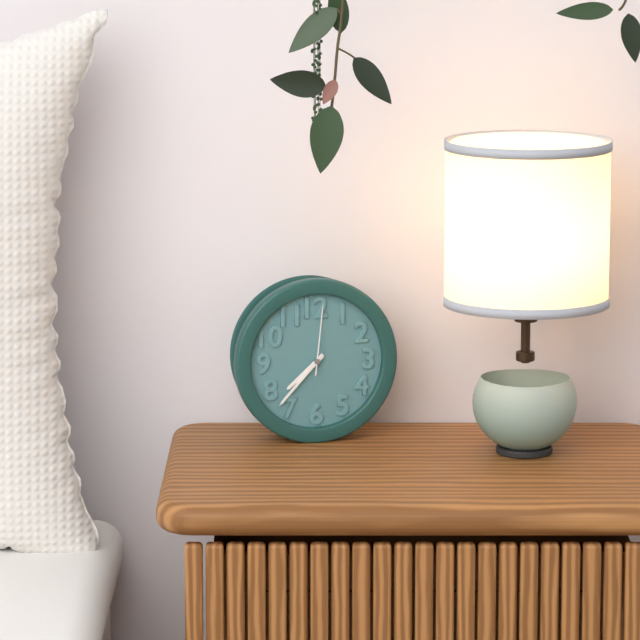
7:37:01
